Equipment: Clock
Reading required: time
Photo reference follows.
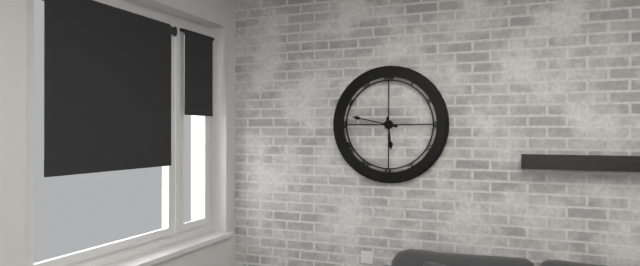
5:47
